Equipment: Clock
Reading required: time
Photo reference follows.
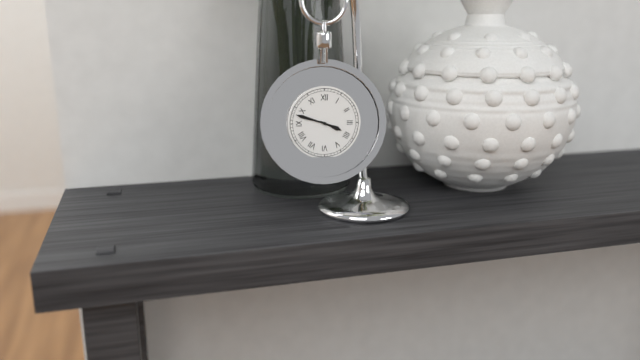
3:48
